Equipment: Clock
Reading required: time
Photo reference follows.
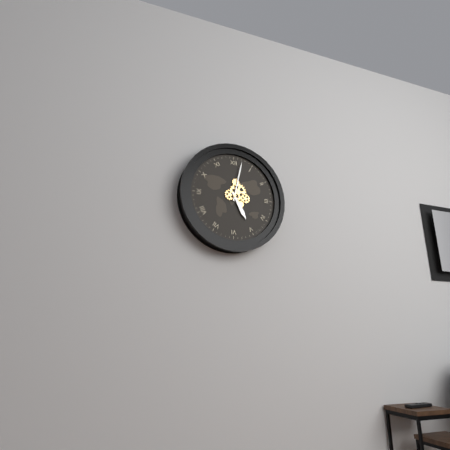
5:02
